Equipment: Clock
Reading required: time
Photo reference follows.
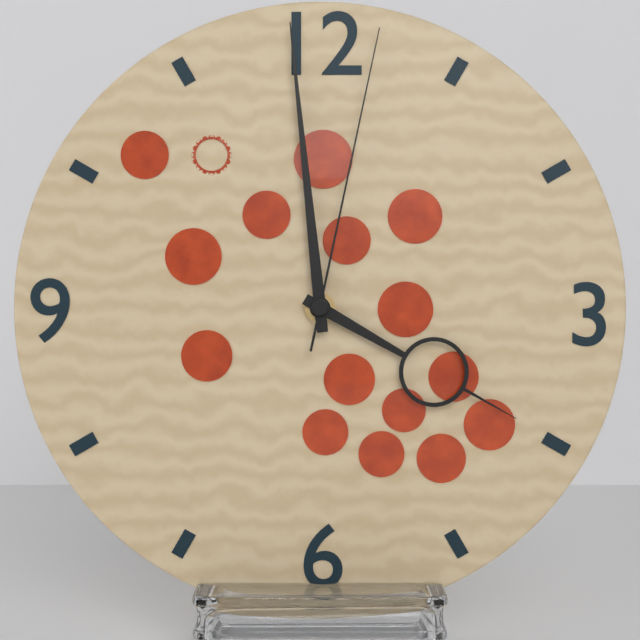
3:59:02
